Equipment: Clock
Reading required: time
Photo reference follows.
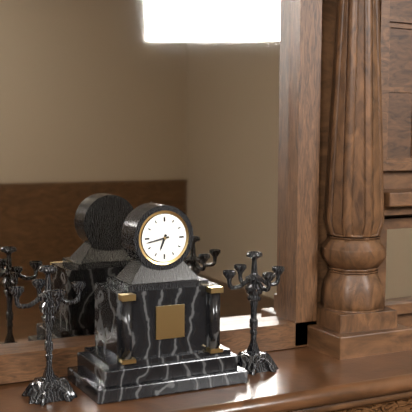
6:43
